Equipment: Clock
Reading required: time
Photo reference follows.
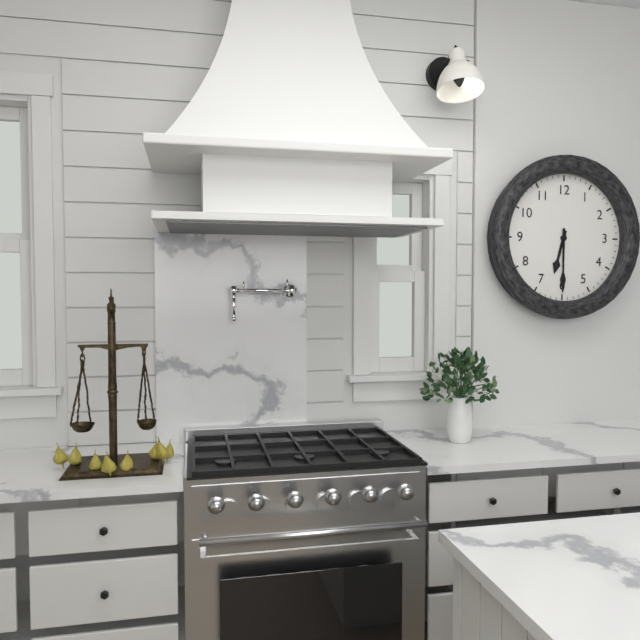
6:30
